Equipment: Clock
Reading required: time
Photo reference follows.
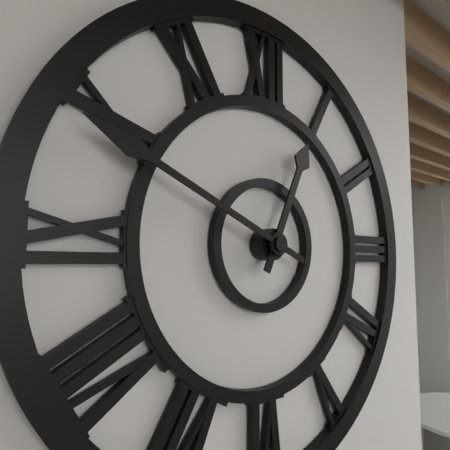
12:49
